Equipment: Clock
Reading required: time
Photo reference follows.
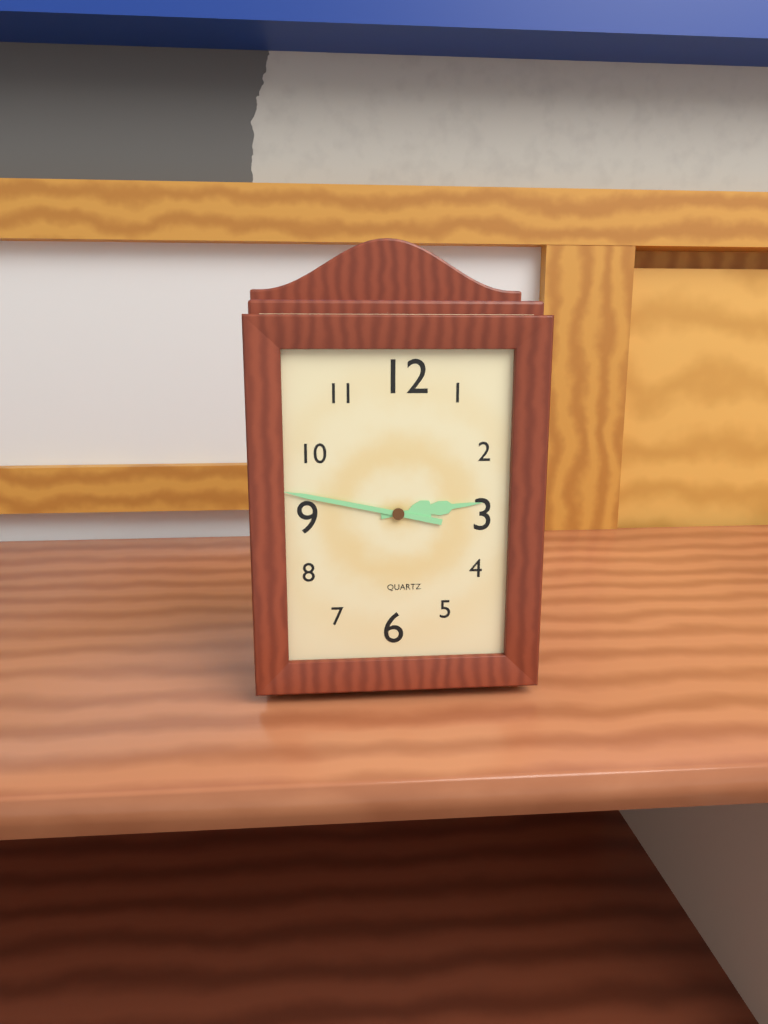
2:47
